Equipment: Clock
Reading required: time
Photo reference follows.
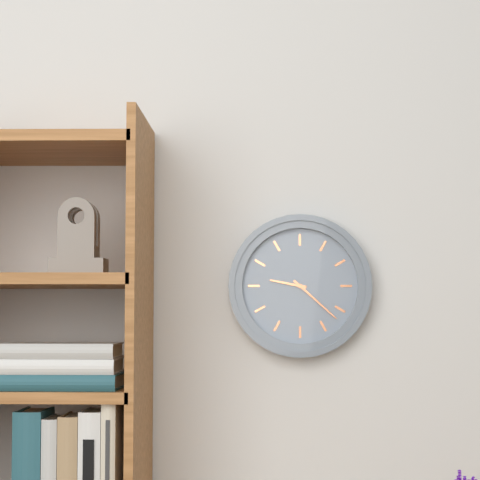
9:22
